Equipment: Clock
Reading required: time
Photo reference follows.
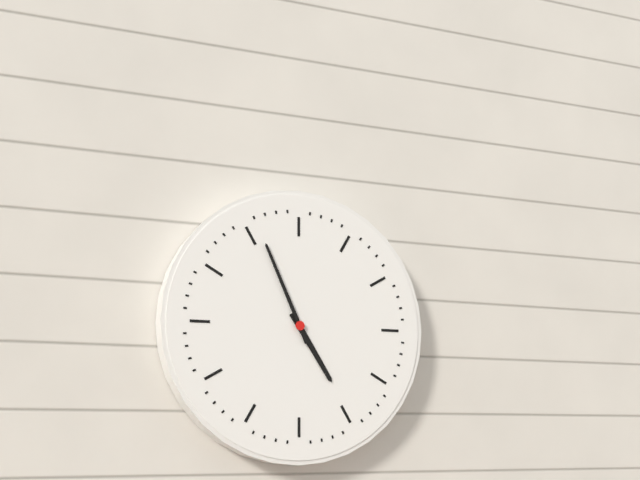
4:56
